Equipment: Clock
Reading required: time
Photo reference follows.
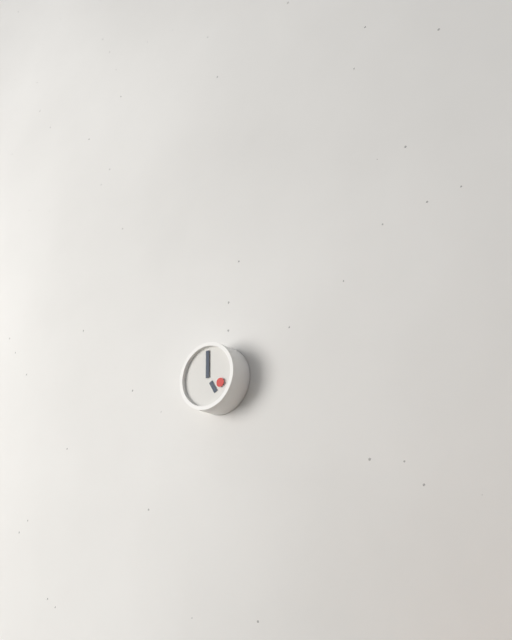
5:00
